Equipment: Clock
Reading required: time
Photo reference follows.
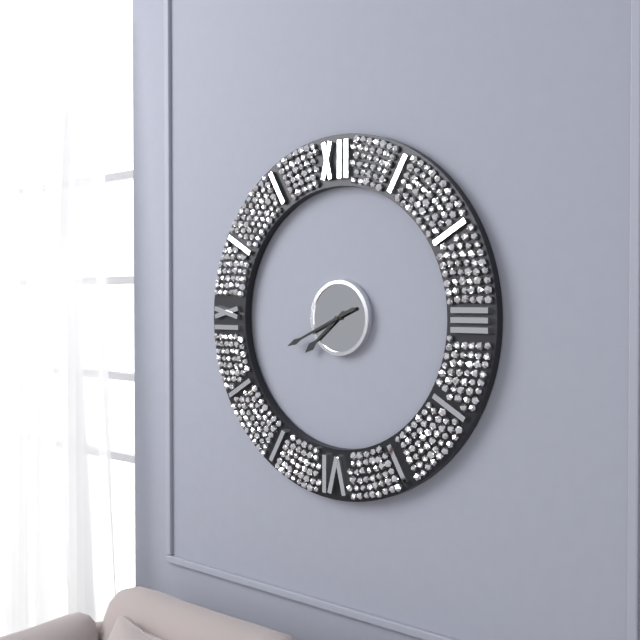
7:41
